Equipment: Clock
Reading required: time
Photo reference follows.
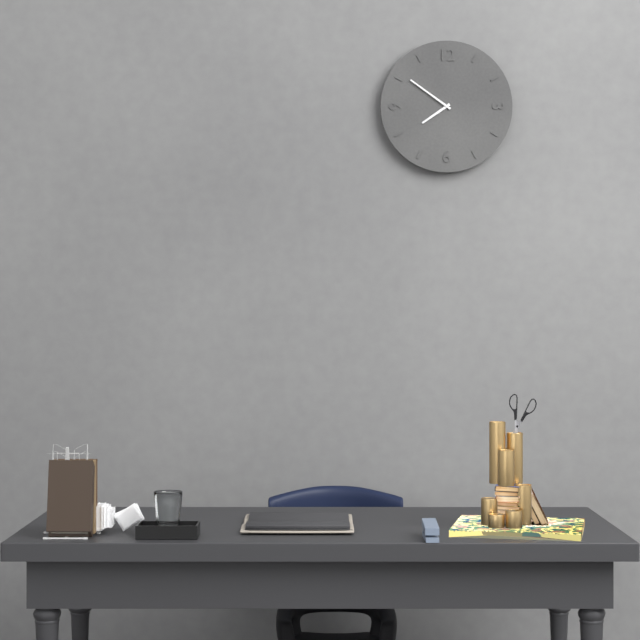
7:51
